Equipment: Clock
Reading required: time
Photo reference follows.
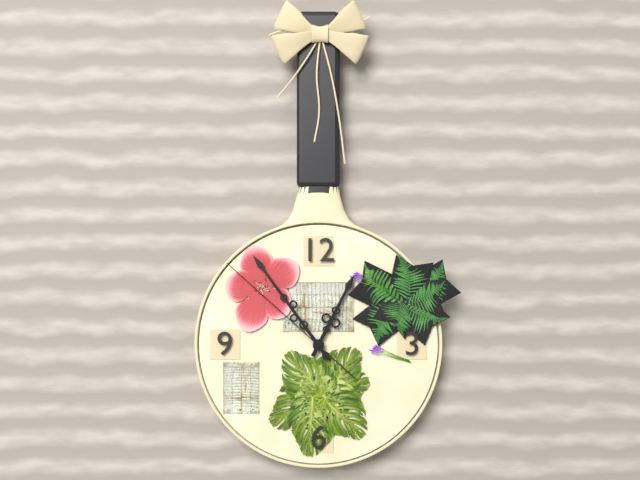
12:54:52
